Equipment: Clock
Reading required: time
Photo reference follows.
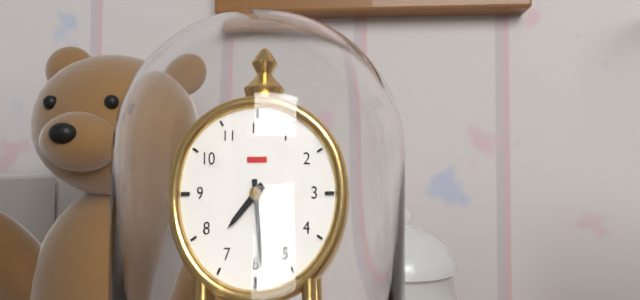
7:29
